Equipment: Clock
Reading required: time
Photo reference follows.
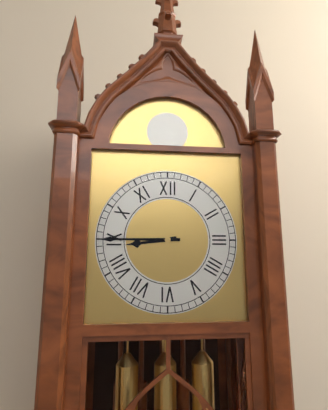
8:45
